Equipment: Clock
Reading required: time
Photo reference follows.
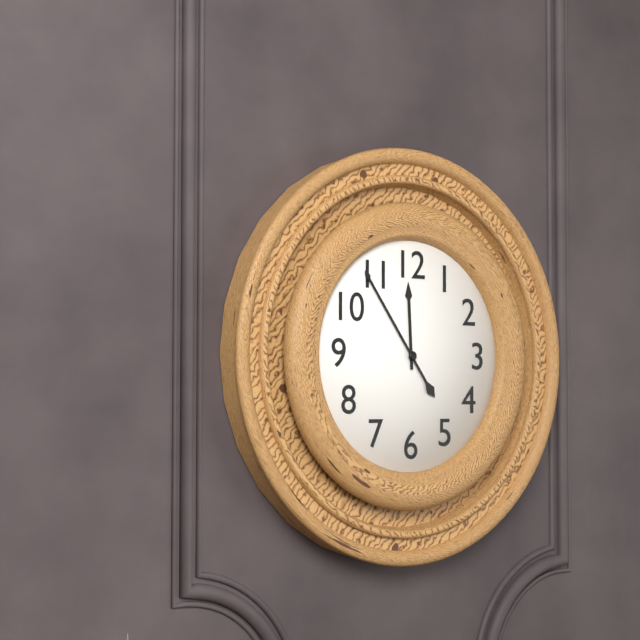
11:54
